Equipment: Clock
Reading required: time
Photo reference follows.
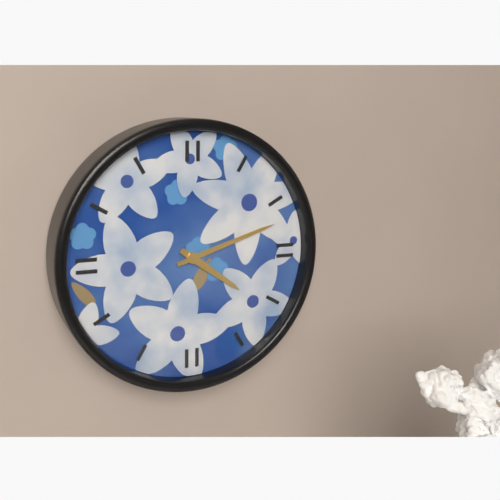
4:12
